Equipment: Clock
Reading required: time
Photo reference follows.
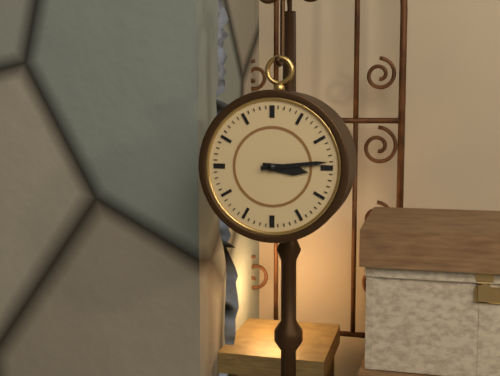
3:14
